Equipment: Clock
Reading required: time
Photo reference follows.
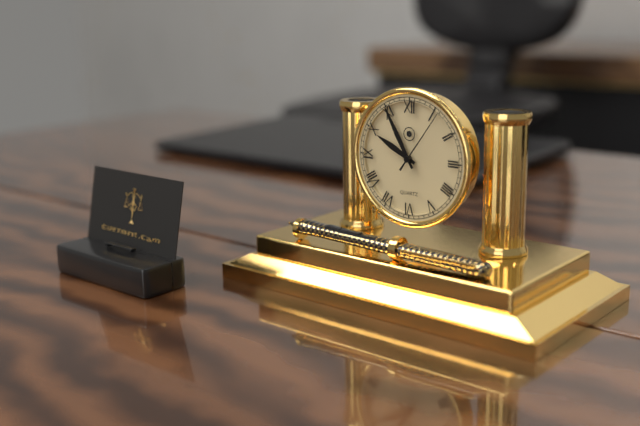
9:55:06
